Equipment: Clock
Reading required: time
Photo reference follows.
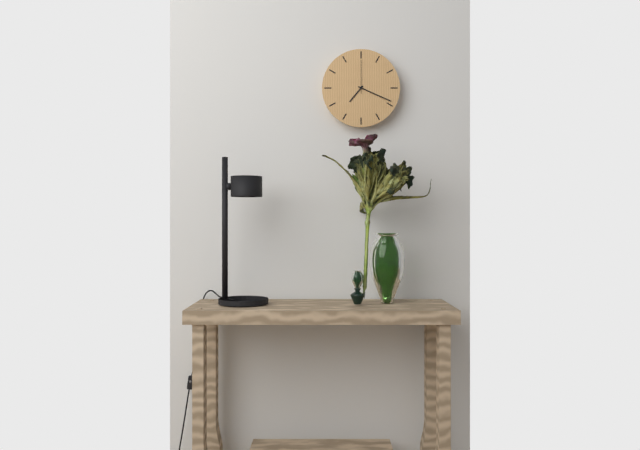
7:19
